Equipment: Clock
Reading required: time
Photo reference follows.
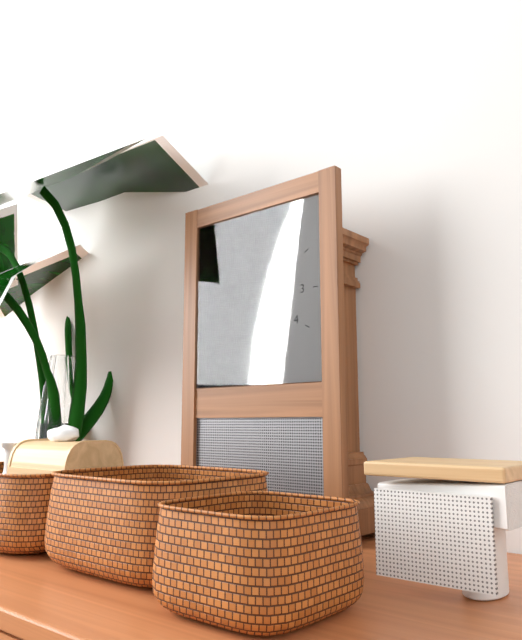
7:39
